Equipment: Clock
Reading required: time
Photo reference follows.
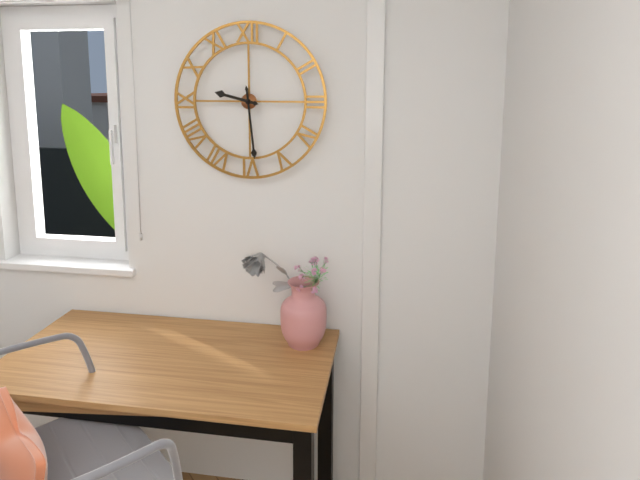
9:29
